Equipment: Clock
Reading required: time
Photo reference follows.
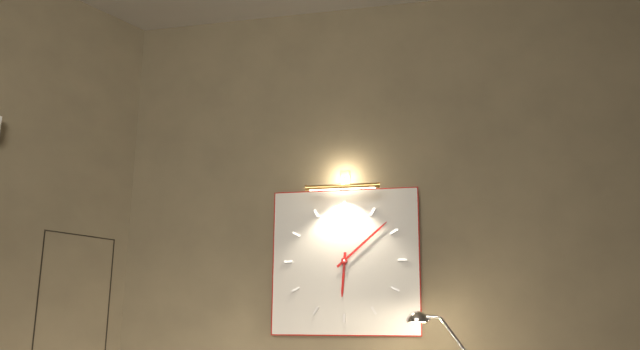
6:08
